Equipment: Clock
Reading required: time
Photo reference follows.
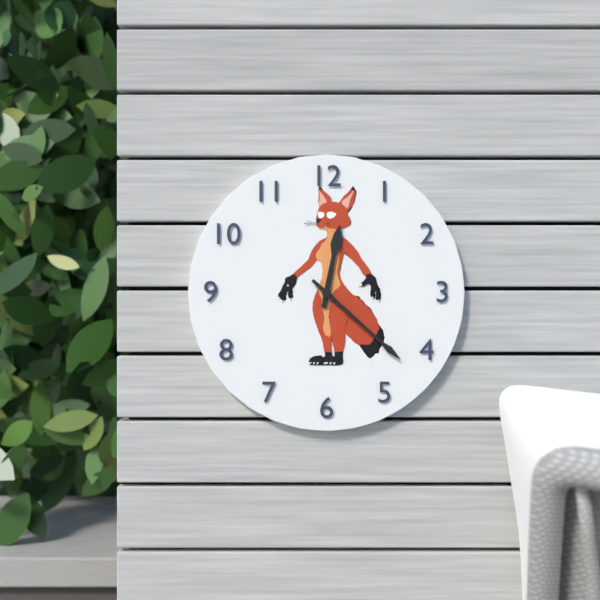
12:22
